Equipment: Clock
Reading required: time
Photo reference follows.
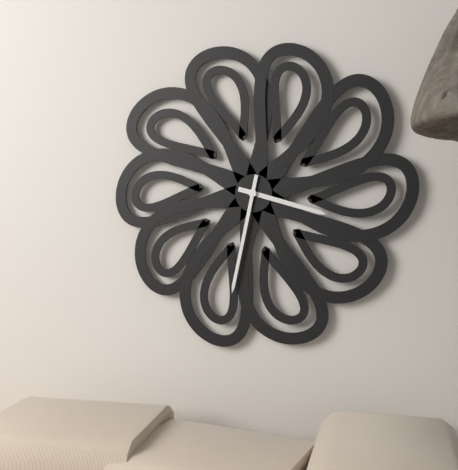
3:32
